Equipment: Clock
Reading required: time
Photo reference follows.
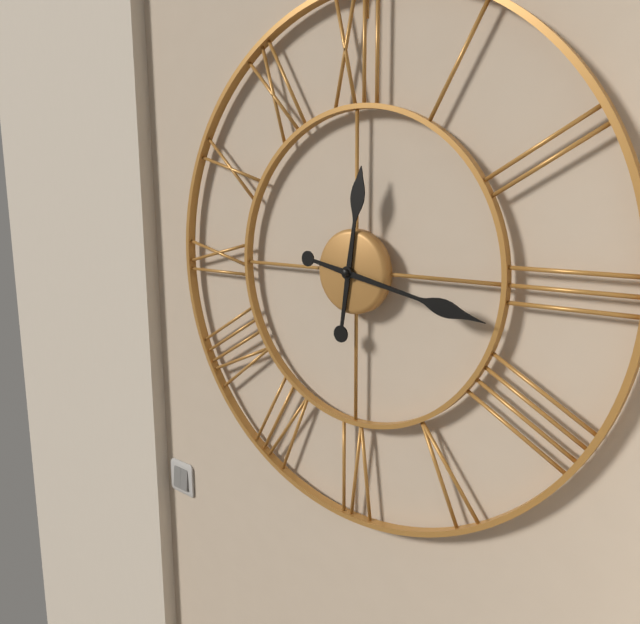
12:17
